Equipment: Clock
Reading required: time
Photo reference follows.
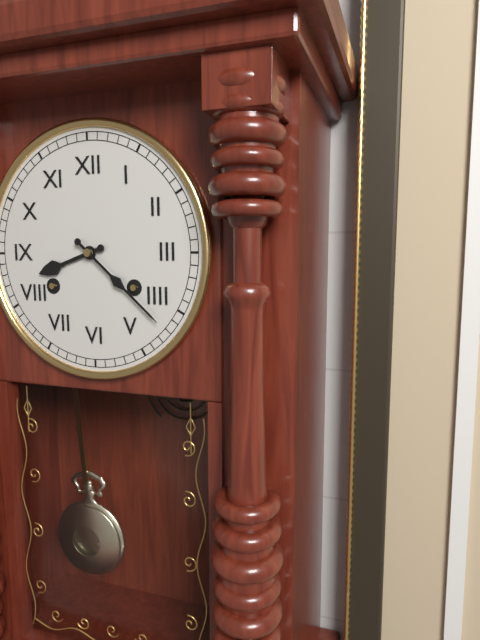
8:22
